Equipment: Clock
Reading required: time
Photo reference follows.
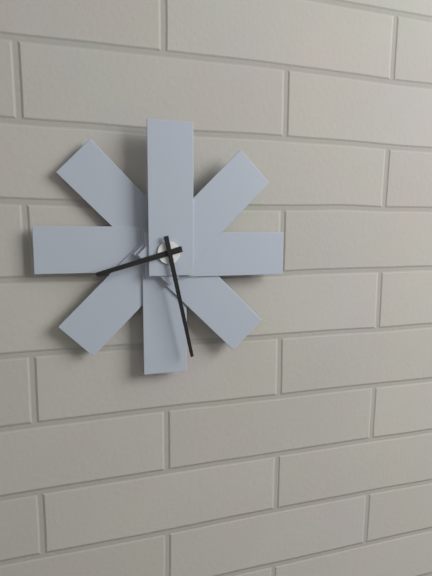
8:28
